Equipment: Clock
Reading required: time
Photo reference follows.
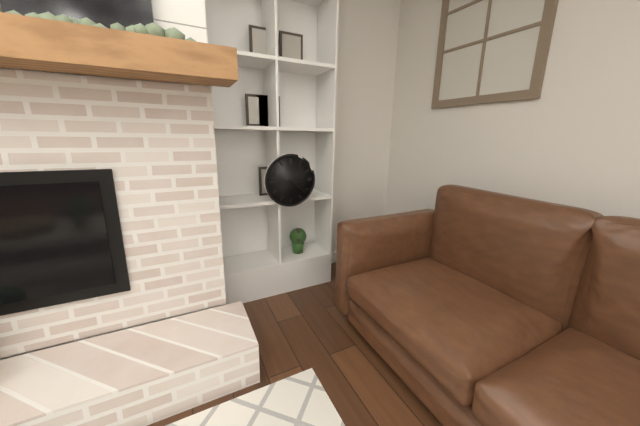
3:22
